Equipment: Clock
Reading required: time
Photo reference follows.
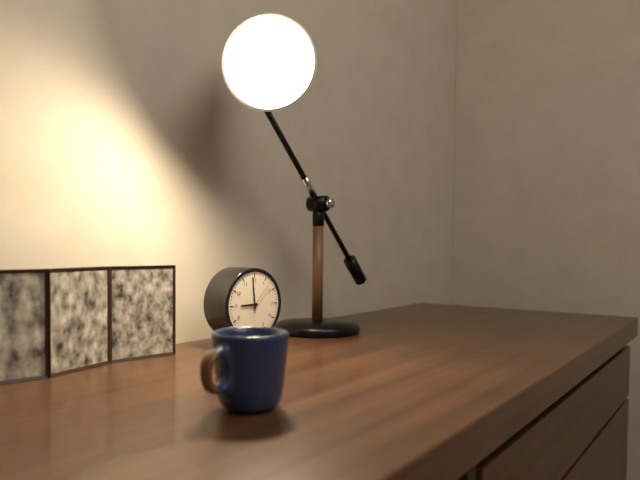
8:59
